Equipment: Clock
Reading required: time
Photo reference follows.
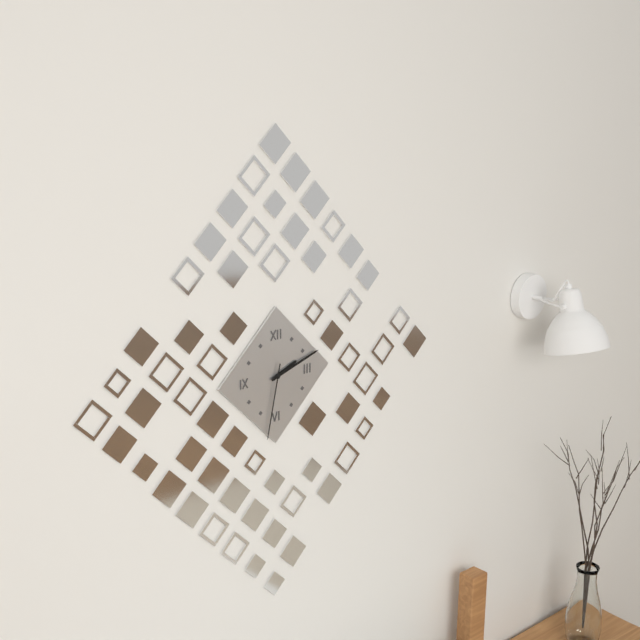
2:12:32
